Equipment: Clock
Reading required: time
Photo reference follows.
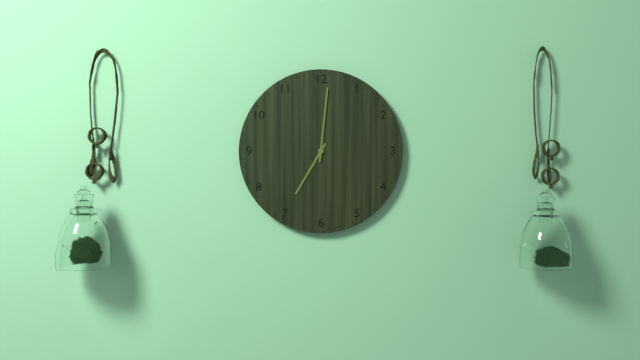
7:01
